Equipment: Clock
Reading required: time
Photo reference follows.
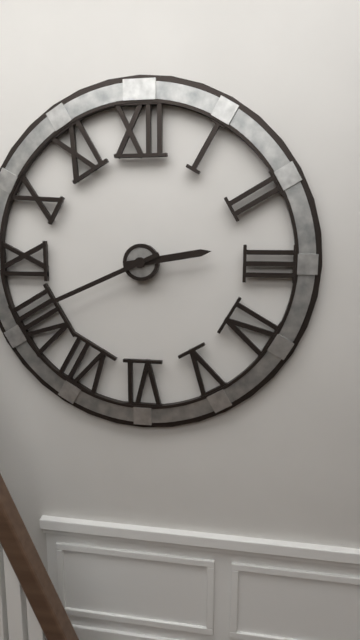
2:41
